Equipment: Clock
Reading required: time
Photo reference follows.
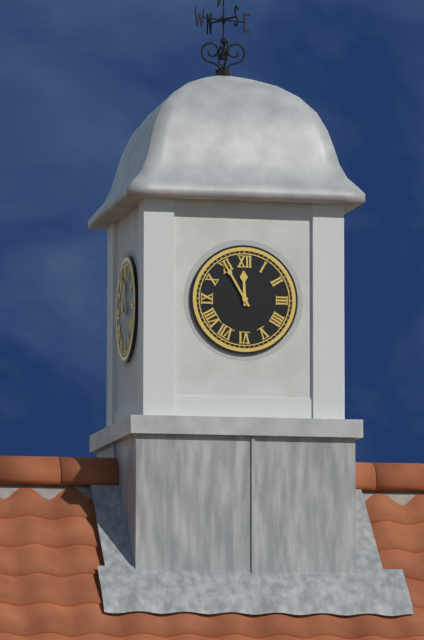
11:55
